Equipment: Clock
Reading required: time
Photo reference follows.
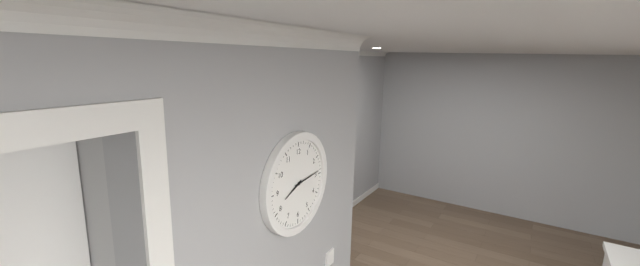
8:14
